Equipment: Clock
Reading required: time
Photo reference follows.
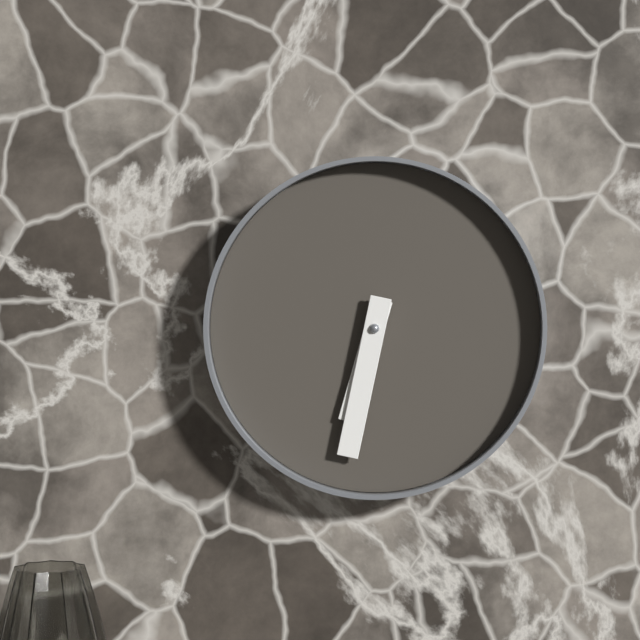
6:32
